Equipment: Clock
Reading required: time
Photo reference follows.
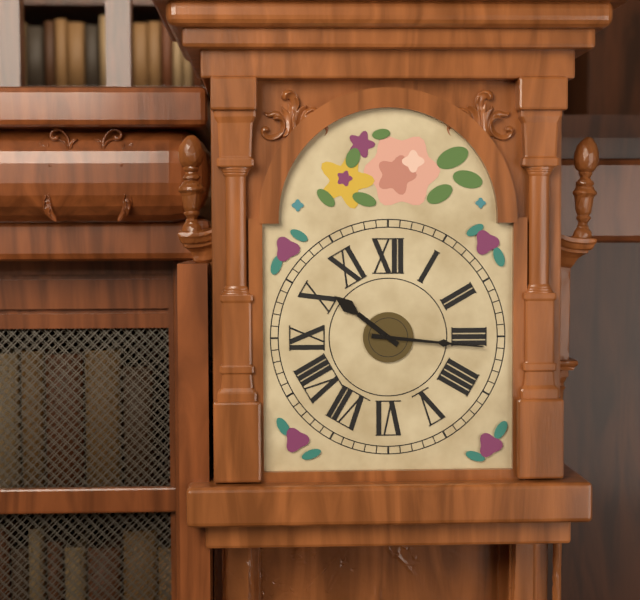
10:16
